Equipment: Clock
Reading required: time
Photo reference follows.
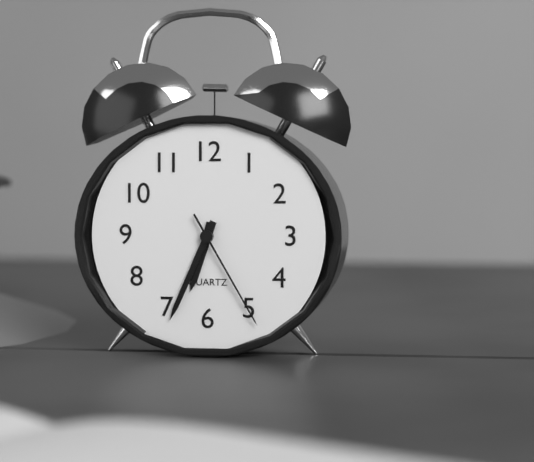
6:34:25
